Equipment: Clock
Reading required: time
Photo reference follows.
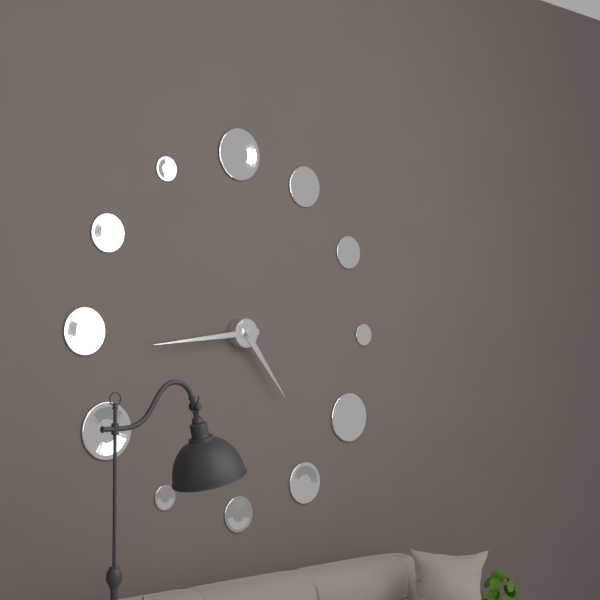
4:44
